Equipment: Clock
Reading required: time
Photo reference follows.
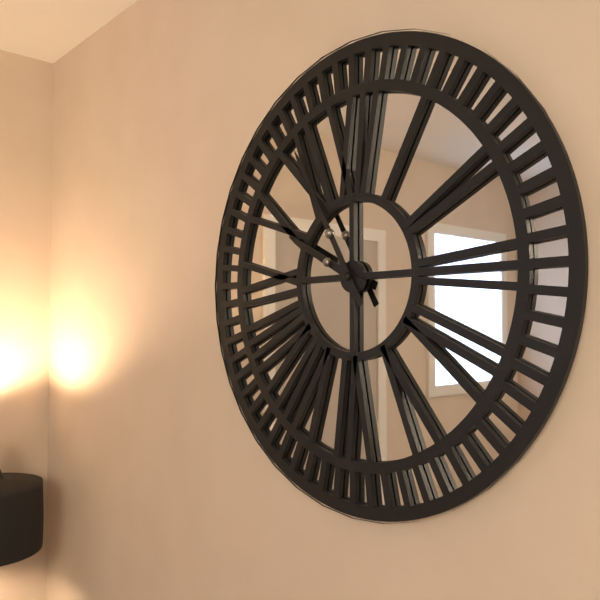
9:55
